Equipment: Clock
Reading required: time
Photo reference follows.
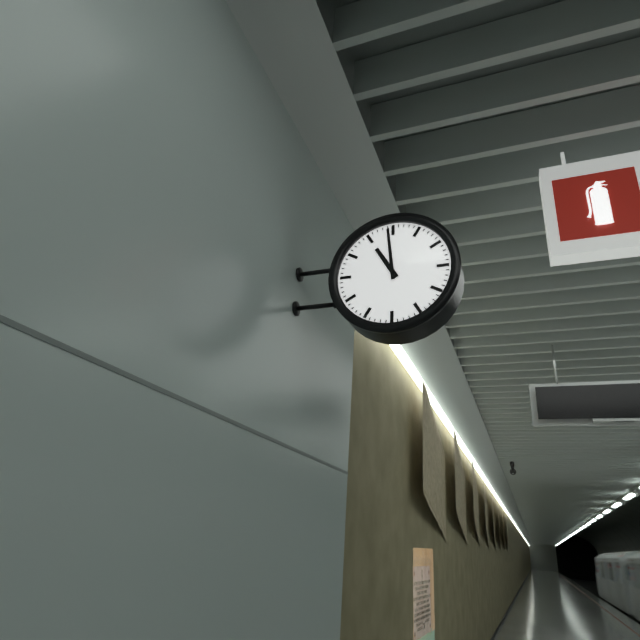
10:59
